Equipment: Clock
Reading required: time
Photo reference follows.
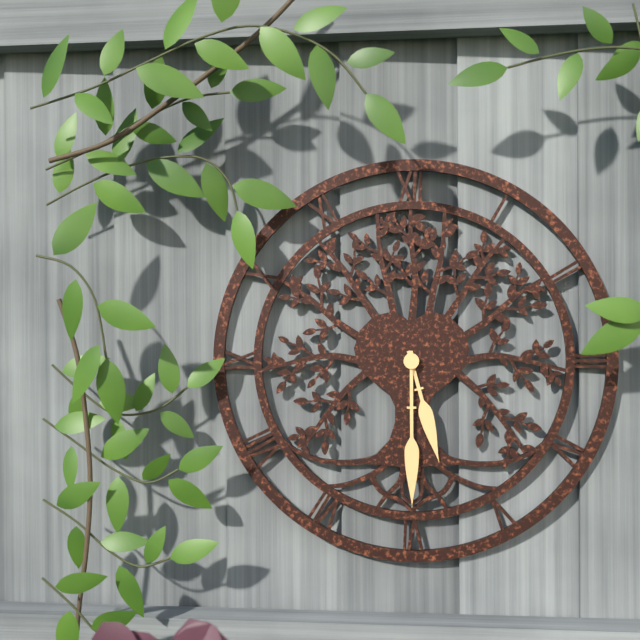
5:30
